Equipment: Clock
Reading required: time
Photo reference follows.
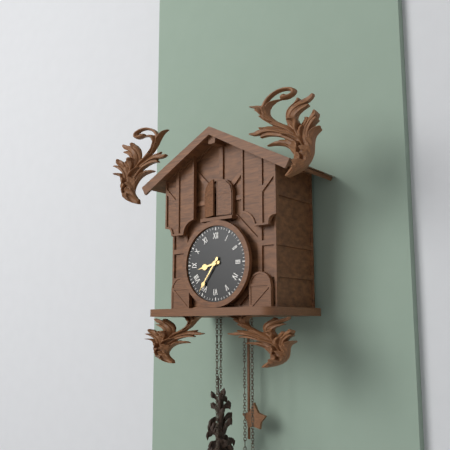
8:36
